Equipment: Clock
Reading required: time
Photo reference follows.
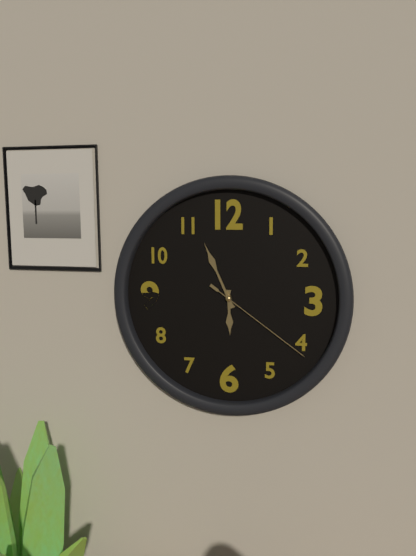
5:56:21
